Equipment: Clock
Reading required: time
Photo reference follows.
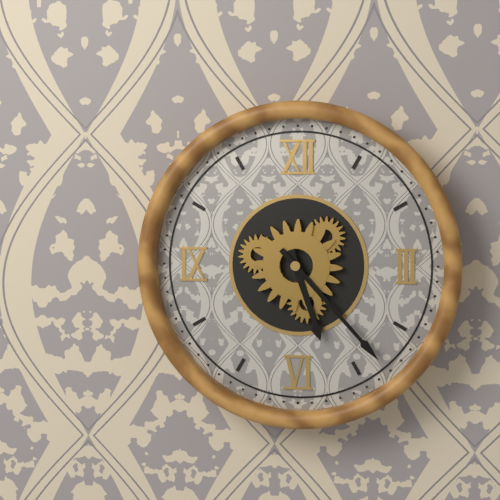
5:23
